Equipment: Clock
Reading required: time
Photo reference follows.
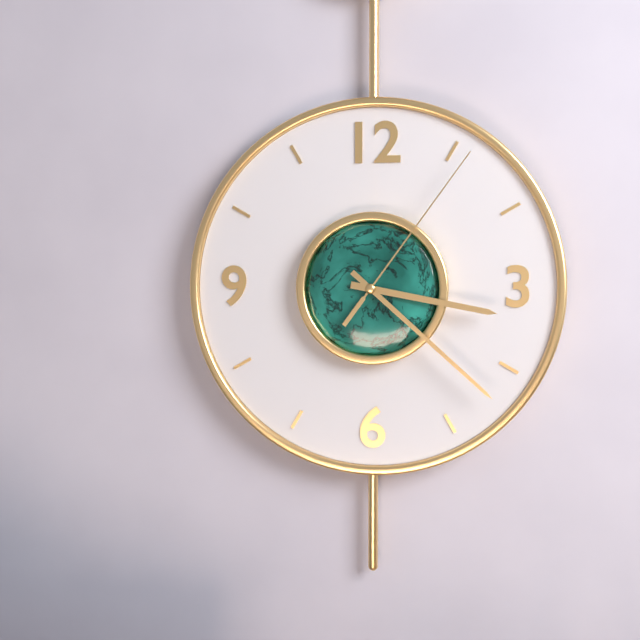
3:22:06
